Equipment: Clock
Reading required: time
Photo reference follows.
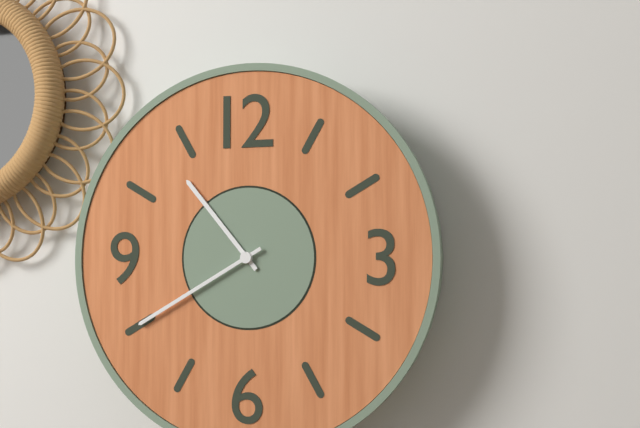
10:40
